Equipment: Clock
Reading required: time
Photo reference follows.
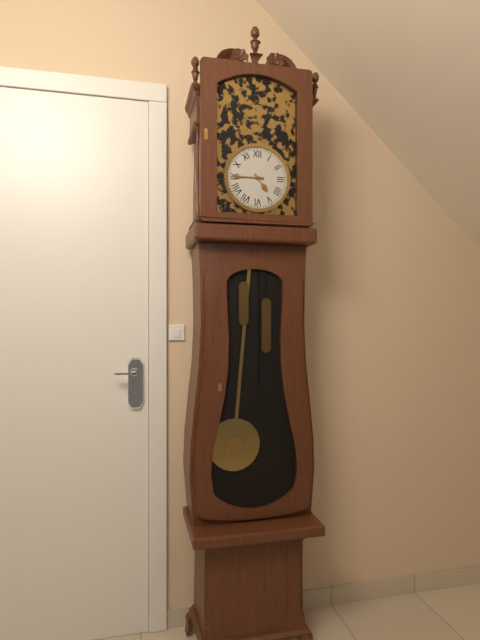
4:45
